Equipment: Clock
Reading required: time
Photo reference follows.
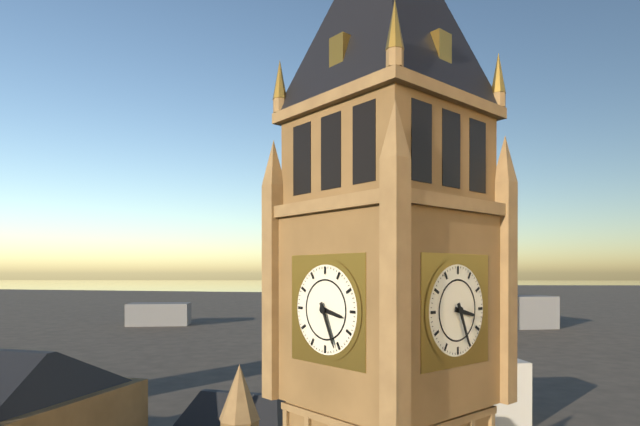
3:26
